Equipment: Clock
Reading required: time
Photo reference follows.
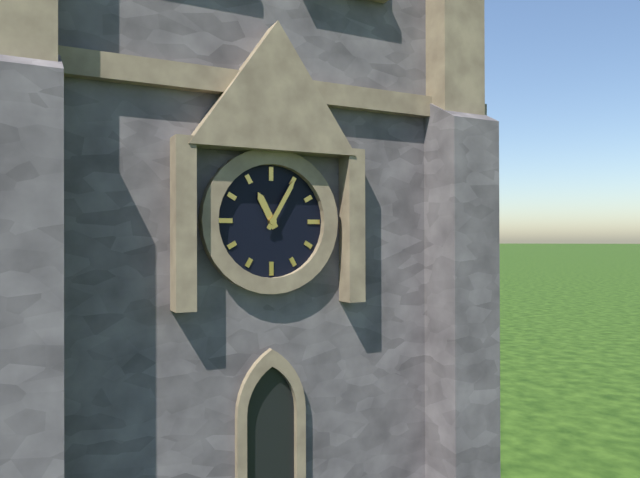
11:05
